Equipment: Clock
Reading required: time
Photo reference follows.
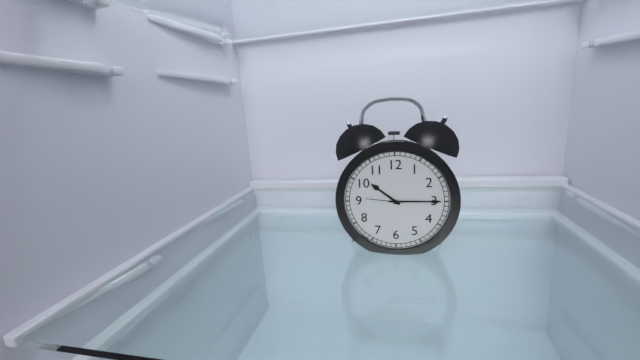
10:15
